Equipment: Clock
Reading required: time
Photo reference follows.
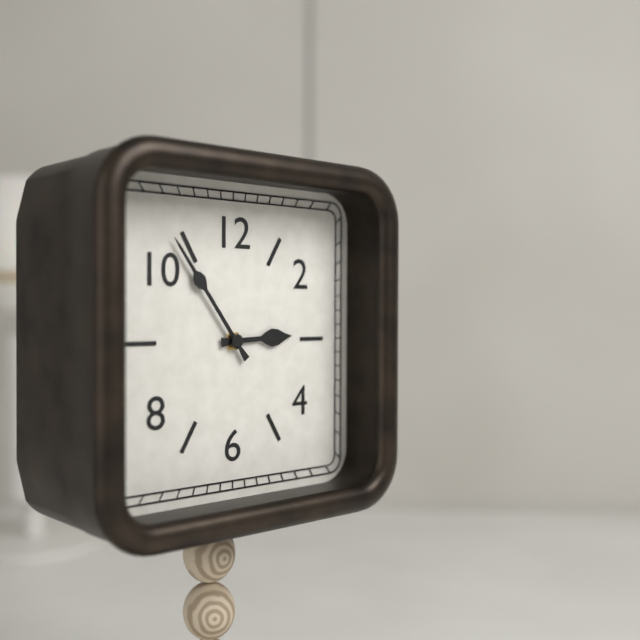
2:54
